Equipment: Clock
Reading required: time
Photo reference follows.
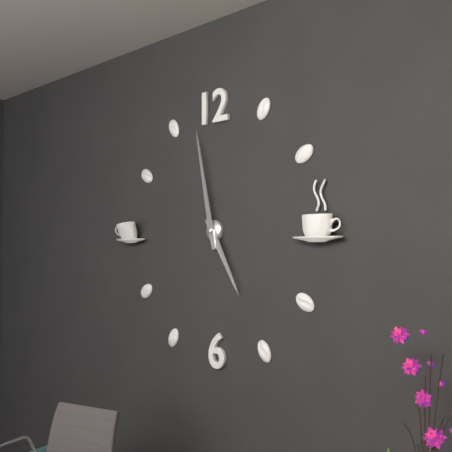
4:58
